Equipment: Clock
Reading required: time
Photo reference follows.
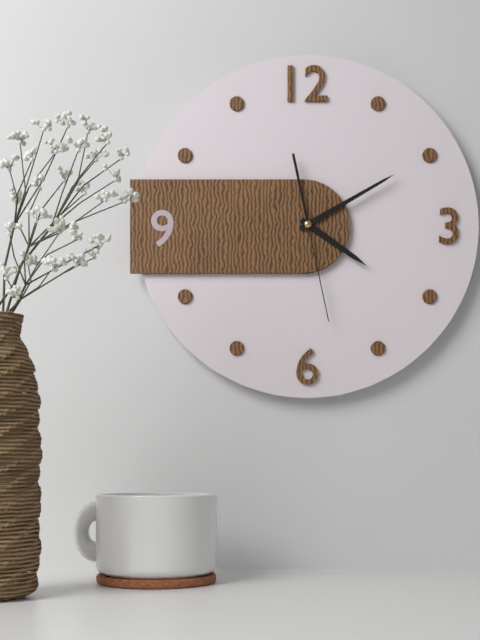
4:10:28
